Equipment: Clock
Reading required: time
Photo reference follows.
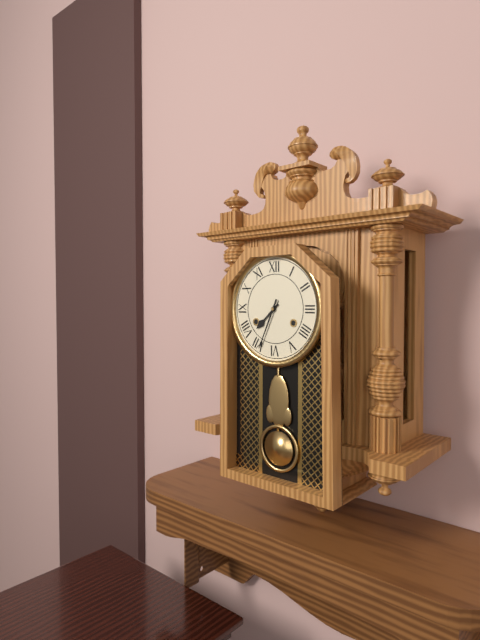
7:34
